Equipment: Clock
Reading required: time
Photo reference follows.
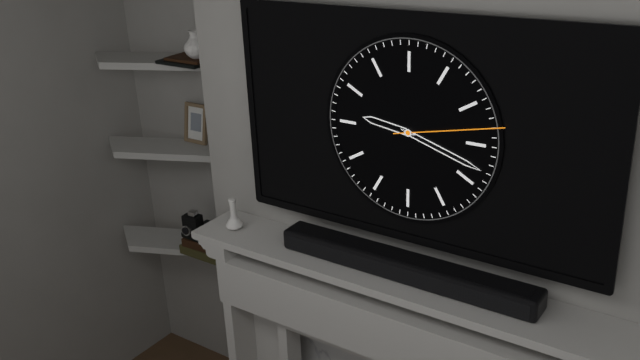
9:18:13
